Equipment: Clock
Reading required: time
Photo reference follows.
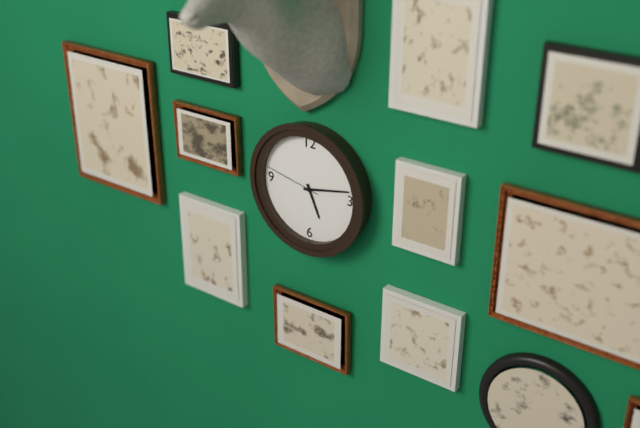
5:13:47
